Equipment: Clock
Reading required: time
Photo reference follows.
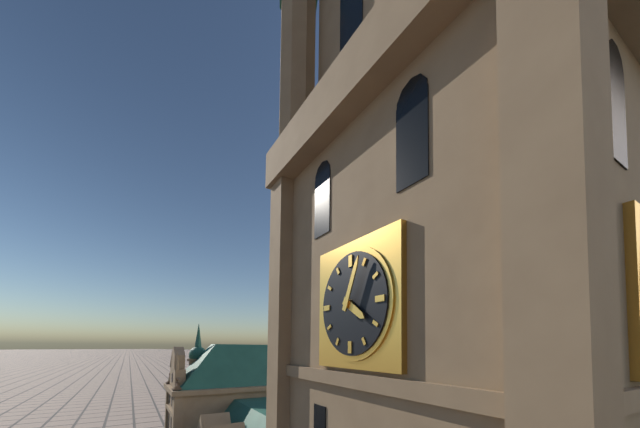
4:04
